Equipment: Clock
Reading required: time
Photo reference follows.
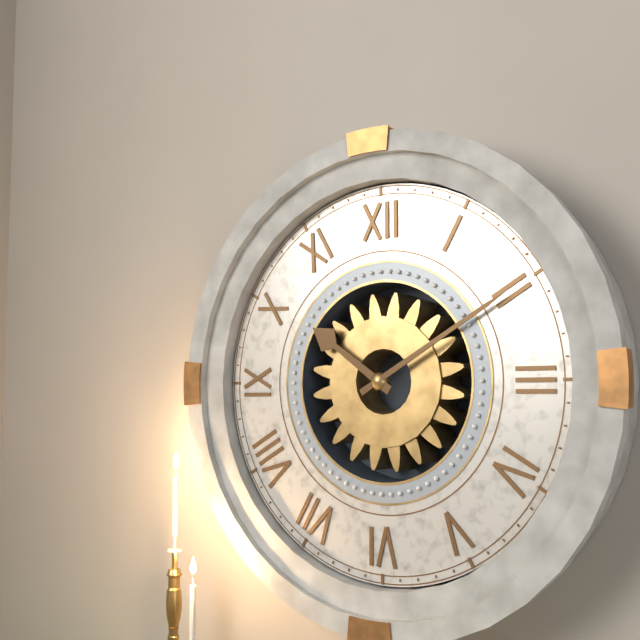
10:10
